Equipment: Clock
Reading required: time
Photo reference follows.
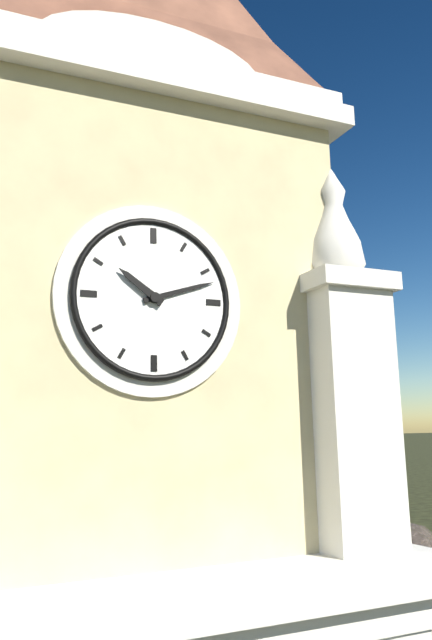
10:12
